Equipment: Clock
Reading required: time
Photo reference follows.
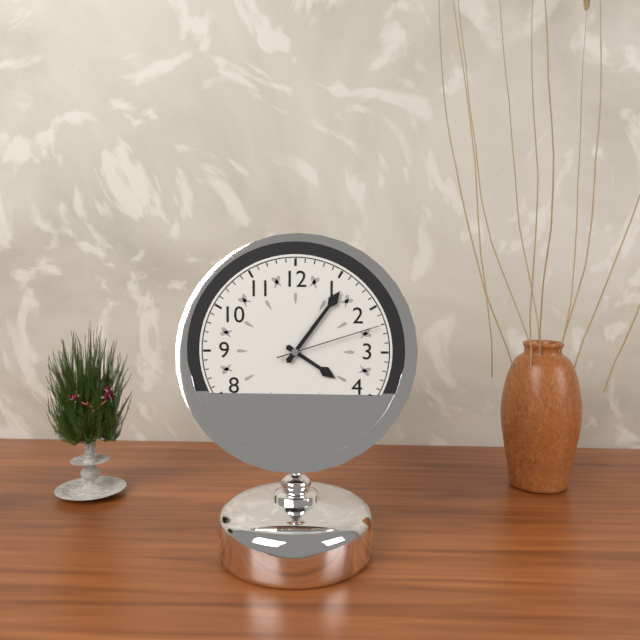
4:06:12
